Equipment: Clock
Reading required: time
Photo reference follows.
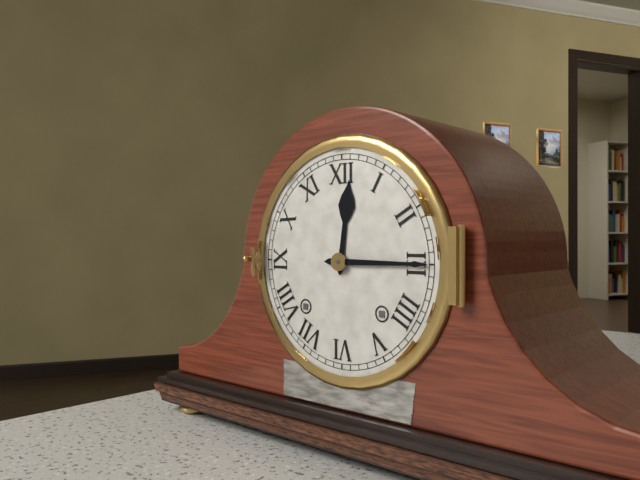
12:15
